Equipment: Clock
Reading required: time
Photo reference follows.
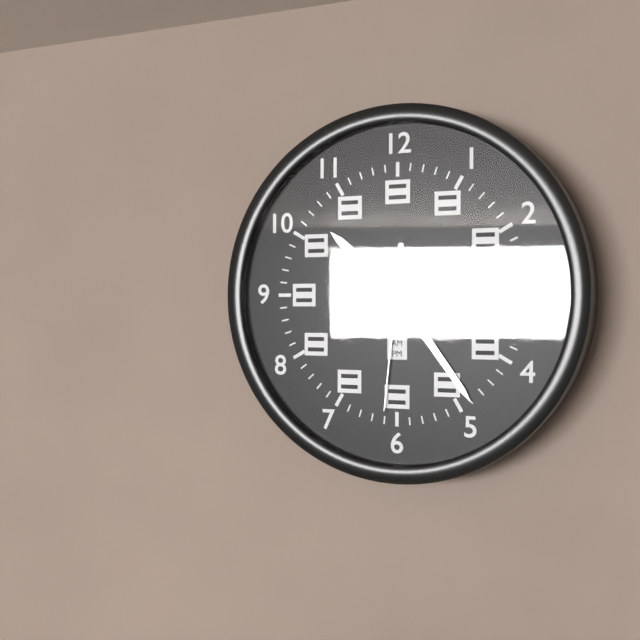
10:24:31
